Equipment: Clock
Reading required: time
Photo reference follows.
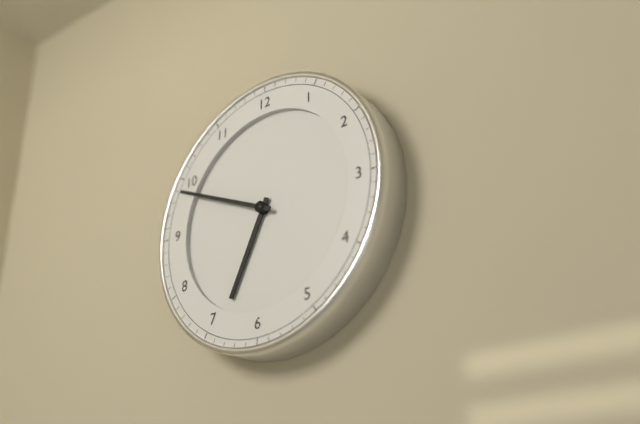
6:49
